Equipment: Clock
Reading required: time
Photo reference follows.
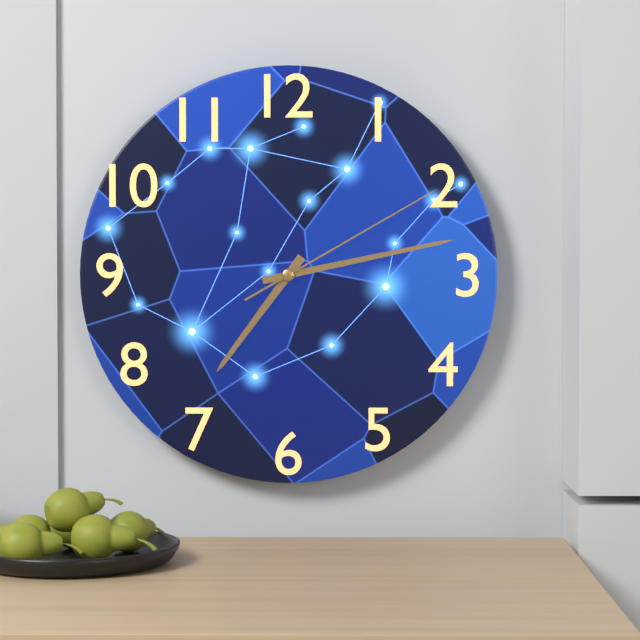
7:13:10
